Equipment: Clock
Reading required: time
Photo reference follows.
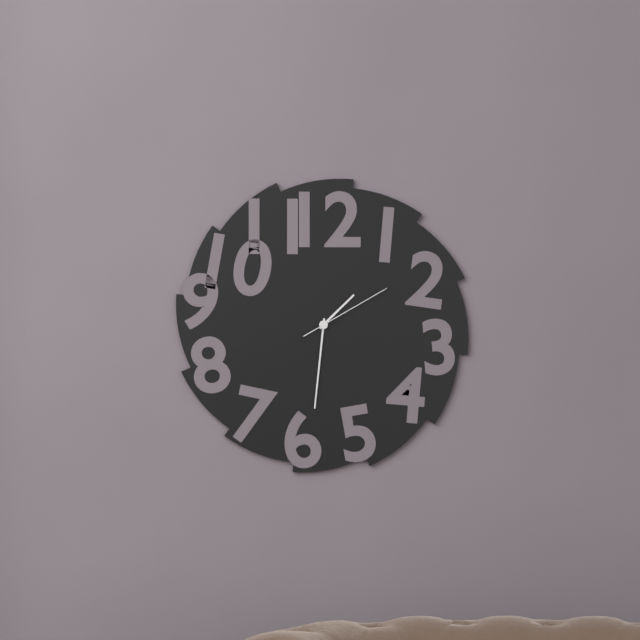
1:31:10
